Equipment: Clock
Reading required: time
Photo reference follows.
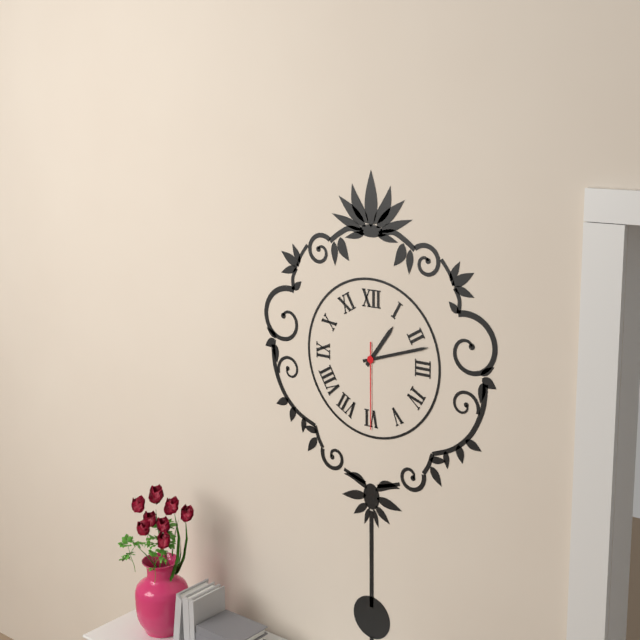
1:12:30
